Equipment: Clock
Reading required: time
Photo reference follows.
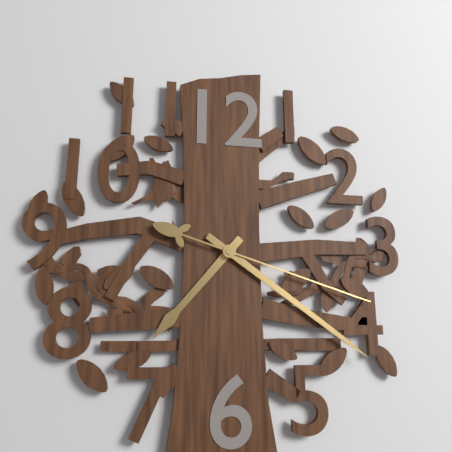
7:21:18
